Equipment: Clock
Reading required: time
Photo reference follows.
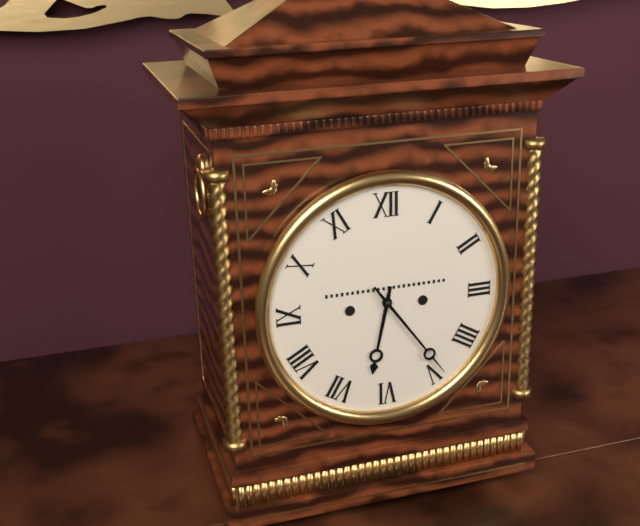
6:24
